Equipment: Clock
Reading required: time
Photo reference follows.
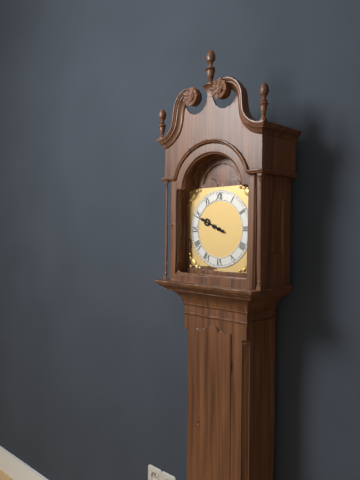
9:49
